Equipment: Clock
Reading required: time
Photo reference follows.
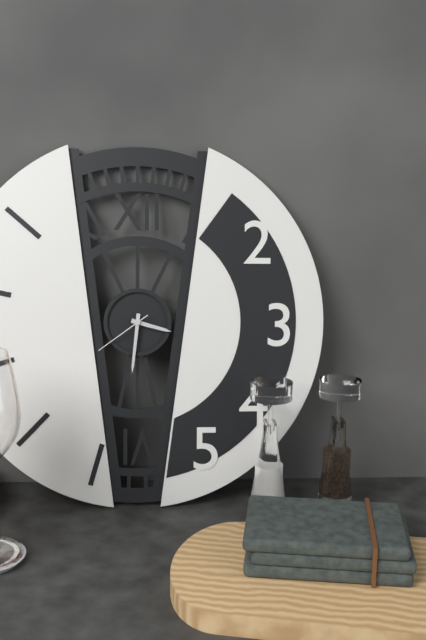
3:31:39
